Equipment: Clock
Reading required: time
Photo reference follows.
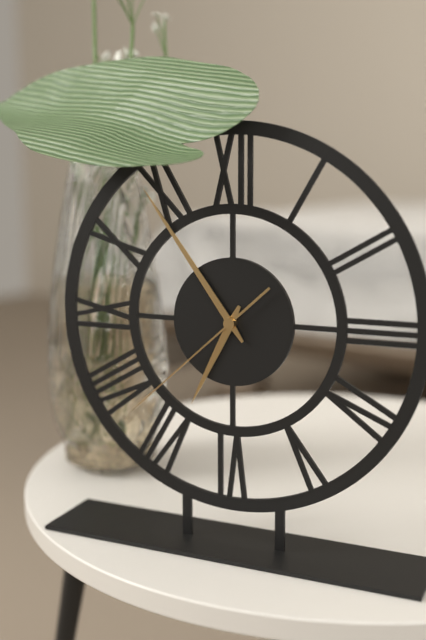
6:54:38
